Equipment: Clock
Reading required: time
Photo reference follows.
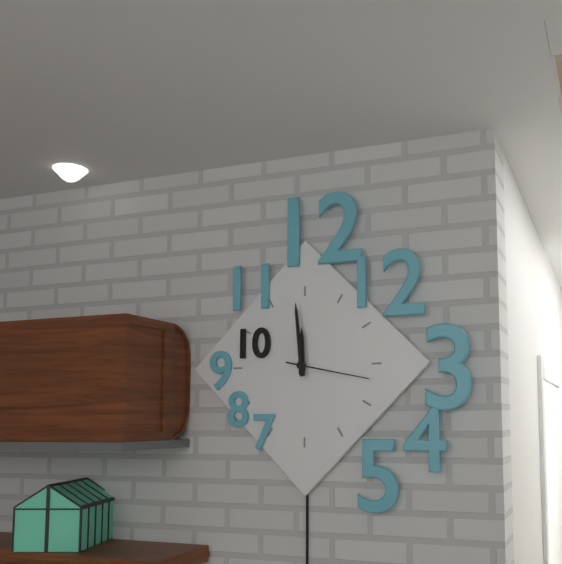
11:59:17
